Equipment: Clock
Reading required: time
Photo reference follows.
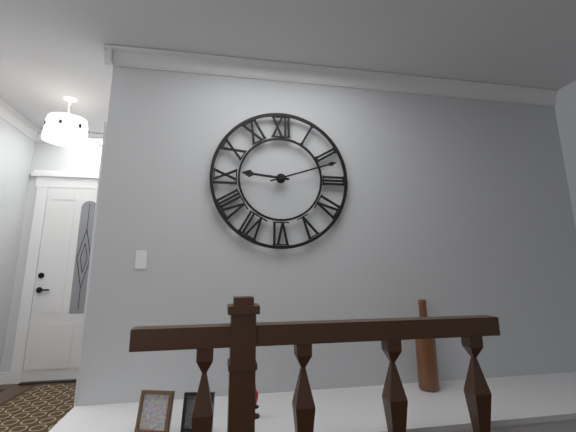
9:12
